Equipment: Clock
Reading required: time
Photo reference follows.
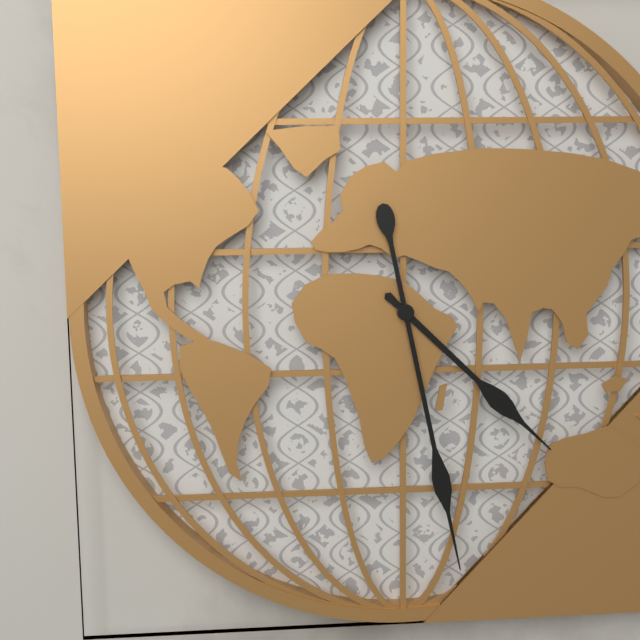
4:28
